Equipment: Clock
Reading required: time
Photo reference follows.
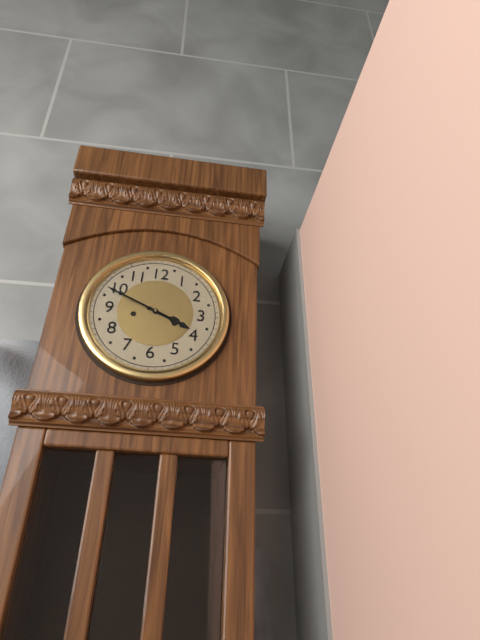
3:49
